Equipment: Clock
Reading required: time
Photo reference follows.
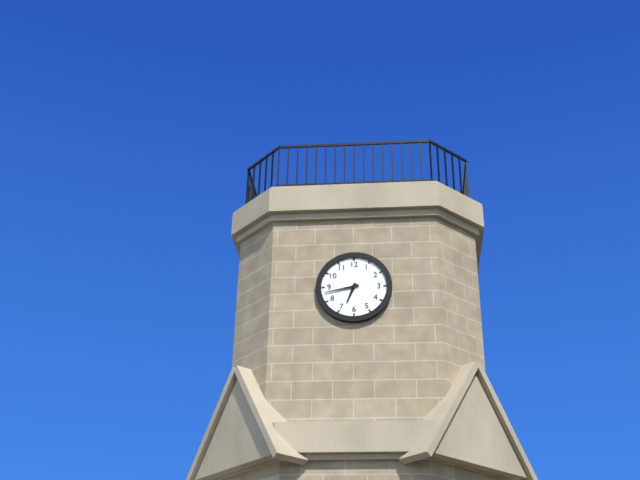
6:43
